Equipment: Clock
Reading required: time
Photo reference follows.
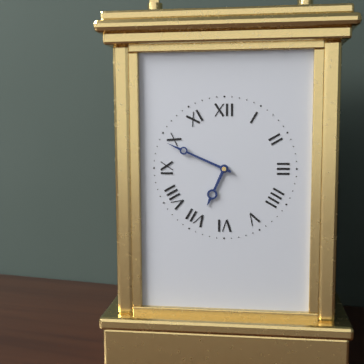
6:49
